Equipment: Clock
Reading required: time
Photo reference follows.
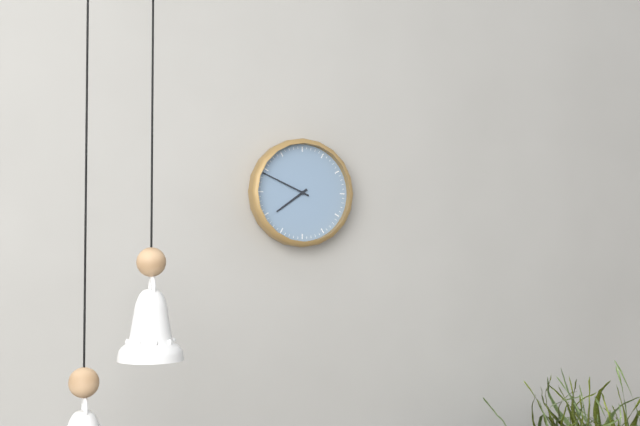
7:49
